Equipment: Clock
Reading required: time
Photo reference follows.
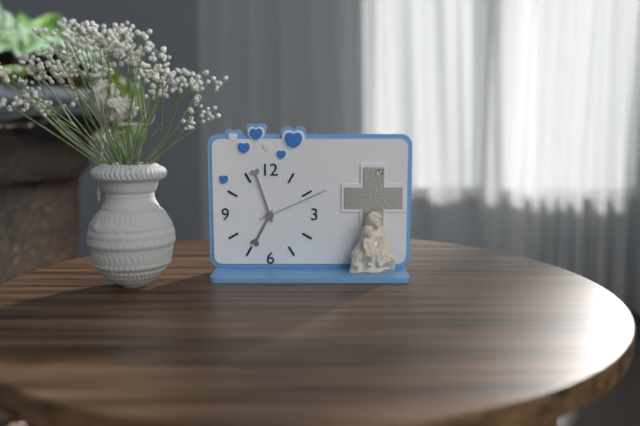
6:57:11
